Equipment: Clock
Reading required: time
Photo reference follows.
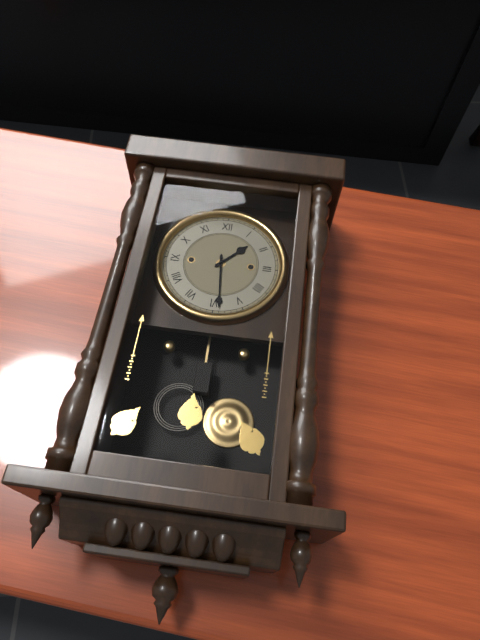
1:29
